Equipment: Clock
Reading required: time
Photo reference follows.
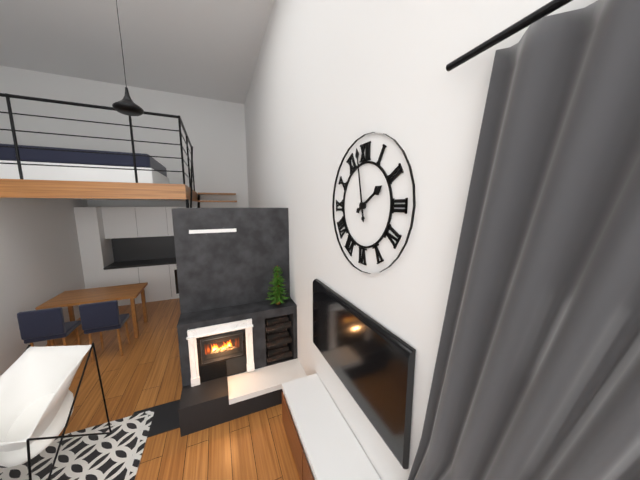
1:58
